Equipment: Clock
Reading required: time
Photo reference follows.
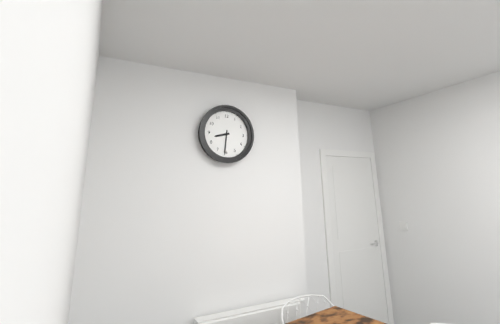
8:31
